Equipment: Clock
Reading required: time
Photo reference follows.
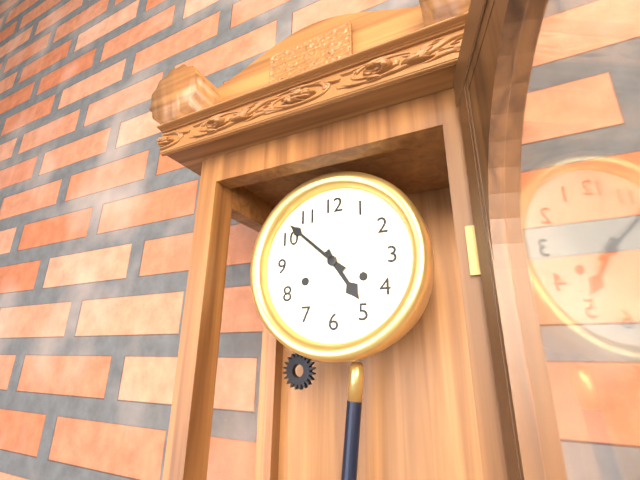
4:52
